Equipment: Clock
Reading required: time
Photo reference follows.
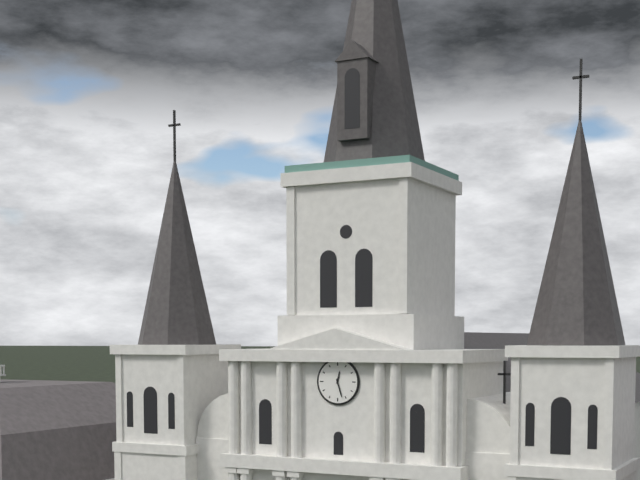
12:27
